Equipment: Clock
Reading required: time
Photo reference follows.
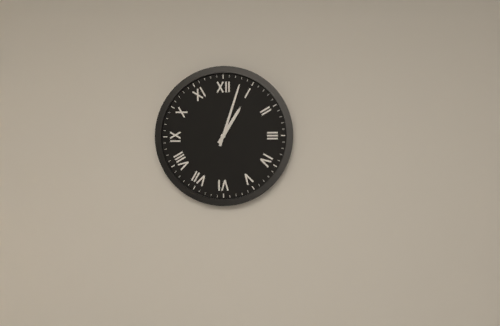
1:03
